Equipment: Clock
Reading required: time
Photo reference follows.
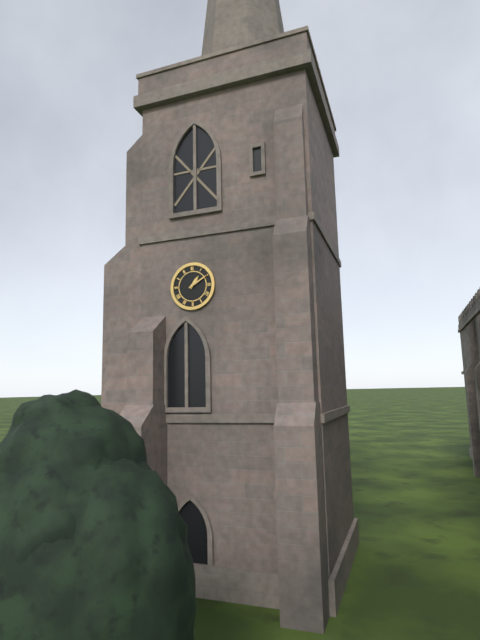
1:10
